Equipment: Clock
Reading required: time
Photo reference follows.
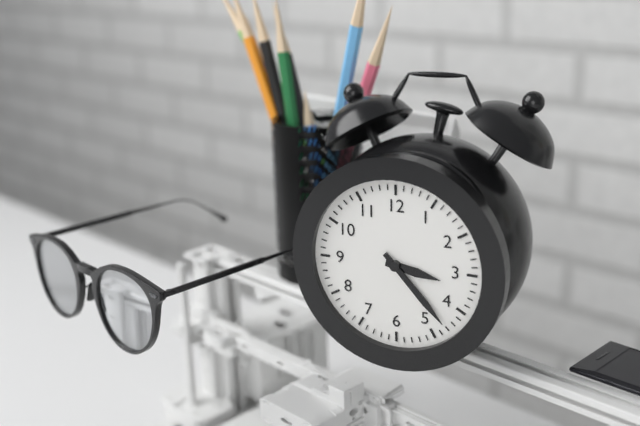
3:23
